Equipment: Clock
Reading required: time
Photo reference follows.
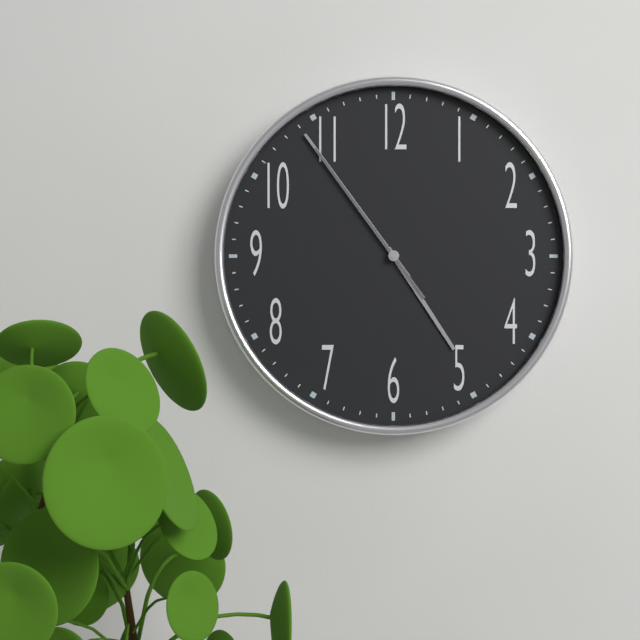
4:54:54
